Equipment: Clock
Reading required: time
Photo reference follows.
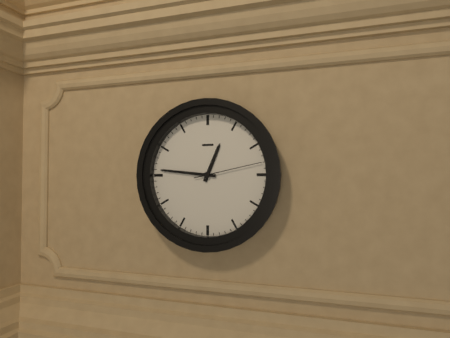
12:46:13
